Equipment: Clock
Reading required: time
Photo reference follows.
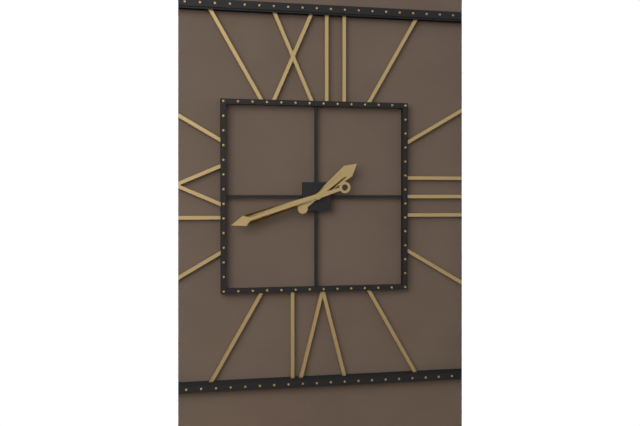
1:42
